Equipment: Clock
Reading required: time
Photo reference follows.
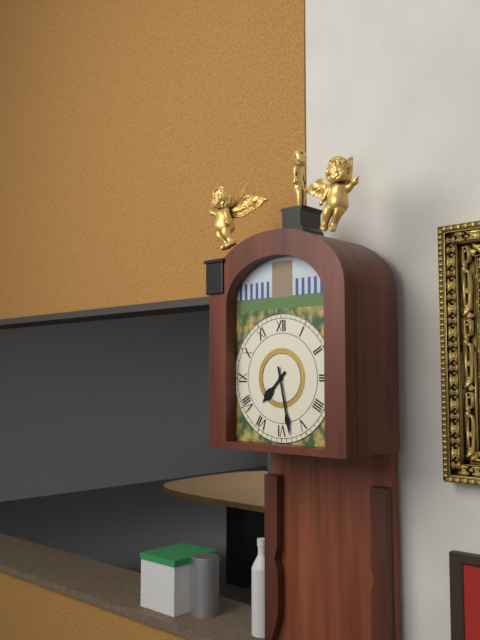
7:28
